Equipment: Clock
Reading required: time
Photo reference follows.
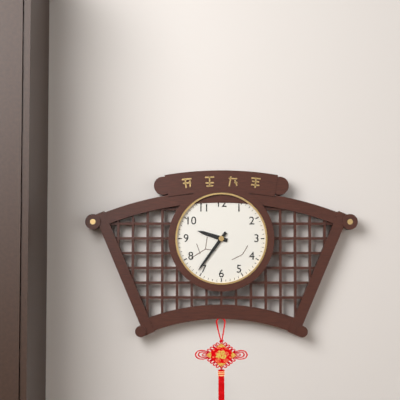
9:36
